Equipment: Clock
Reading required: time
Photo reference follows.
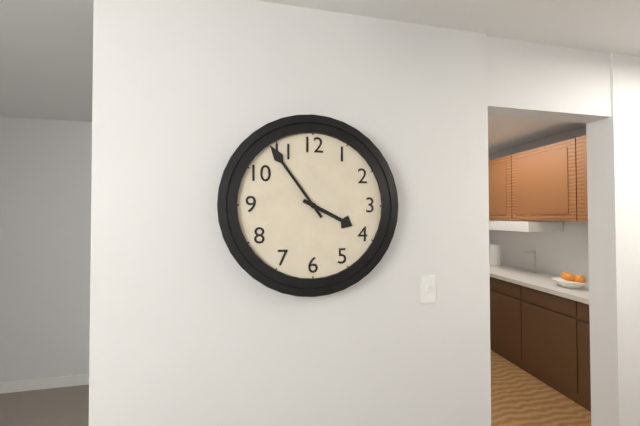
3:54
